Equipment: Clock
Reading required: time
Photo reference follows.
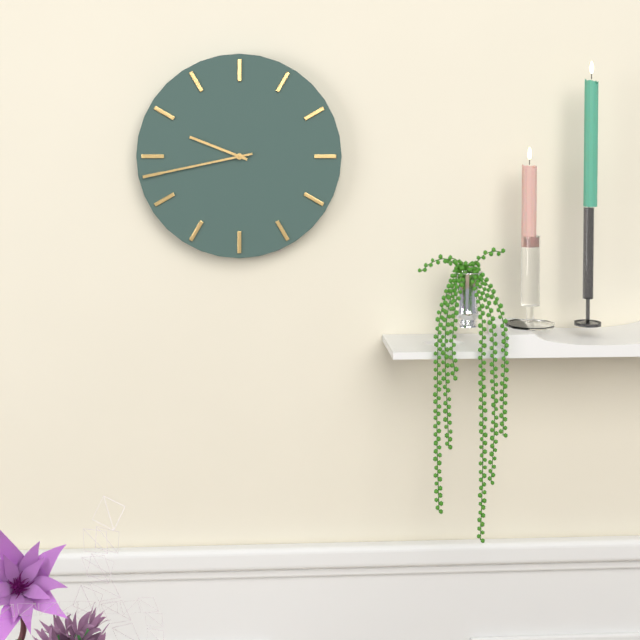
9:43
